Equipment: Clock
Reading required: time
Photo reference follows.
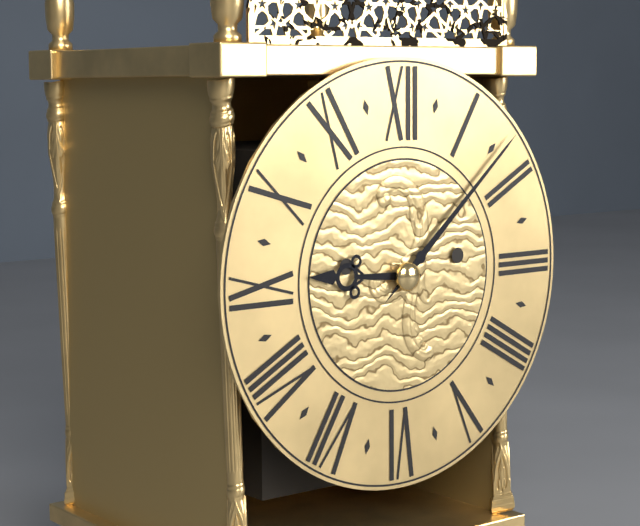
9:08
